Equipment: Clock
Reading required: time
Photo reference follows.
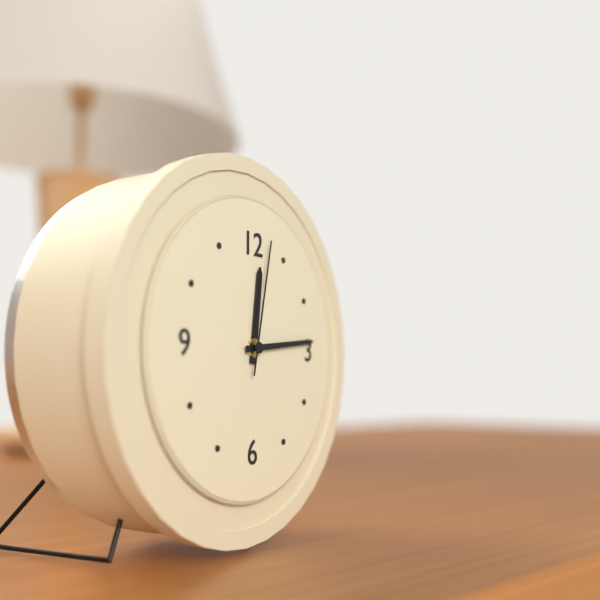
12:14:02
